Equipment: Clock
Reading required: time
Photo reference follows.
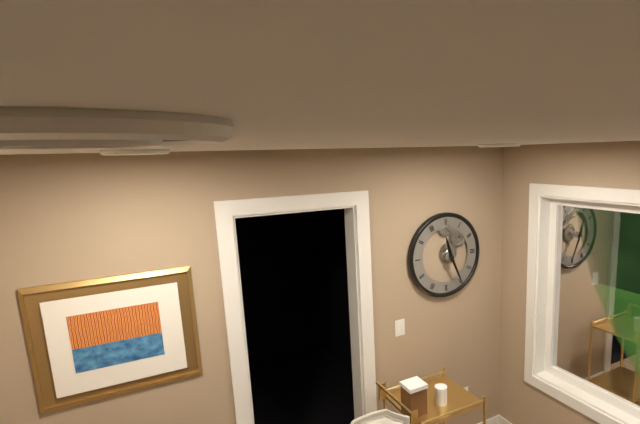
11:26
